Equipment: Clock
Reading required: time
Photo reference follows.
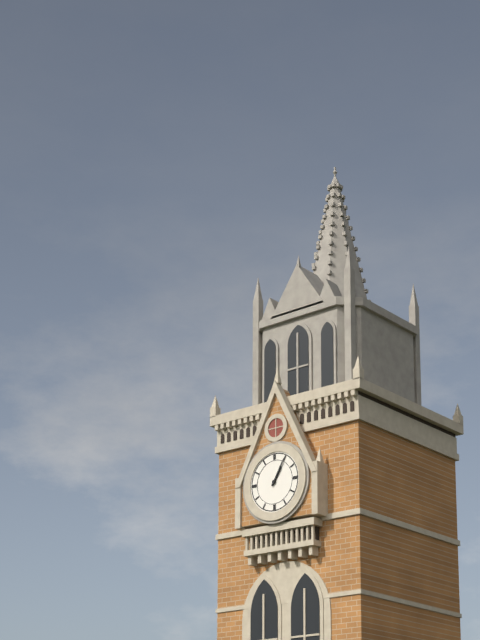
1:05
